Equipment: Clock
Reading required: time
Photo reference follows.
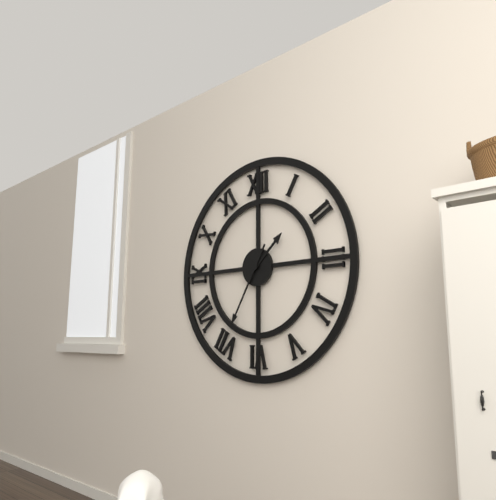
1:35
